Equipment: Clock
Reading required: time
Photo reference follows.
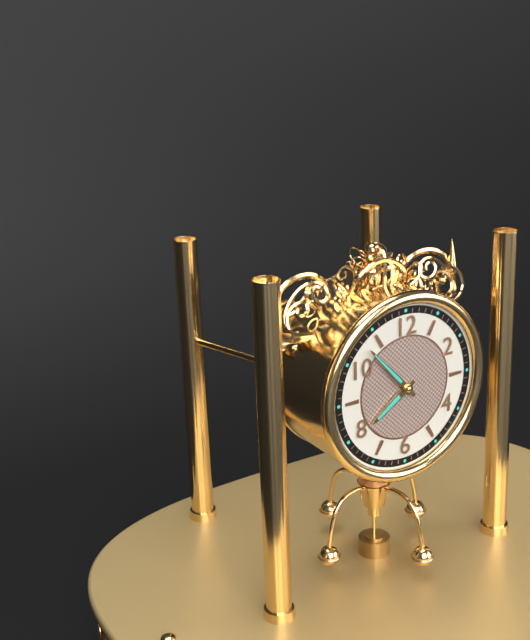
7:53
